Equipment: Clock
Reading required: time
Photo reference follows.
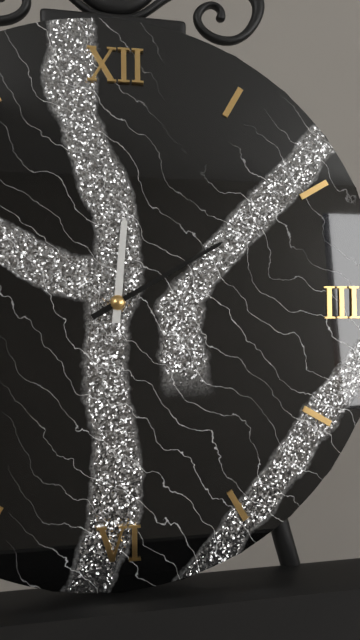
12:10
